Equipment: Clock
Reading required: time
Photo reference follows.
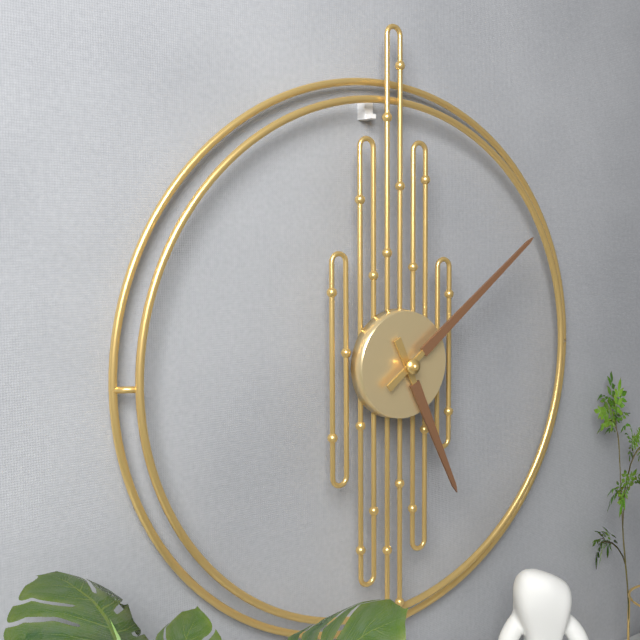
5:09
